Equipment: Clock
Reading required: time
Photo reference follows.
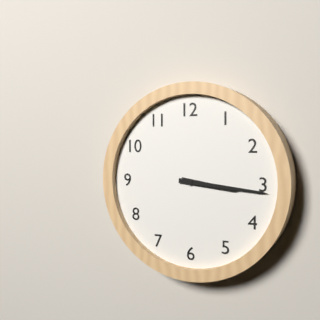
3:16
